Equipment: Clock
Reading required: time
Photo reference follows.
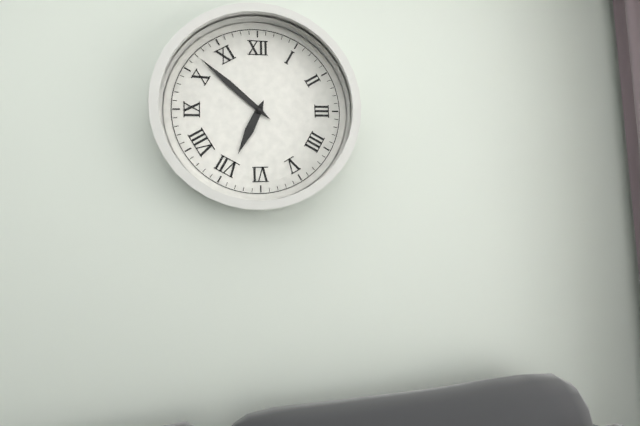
6:52
